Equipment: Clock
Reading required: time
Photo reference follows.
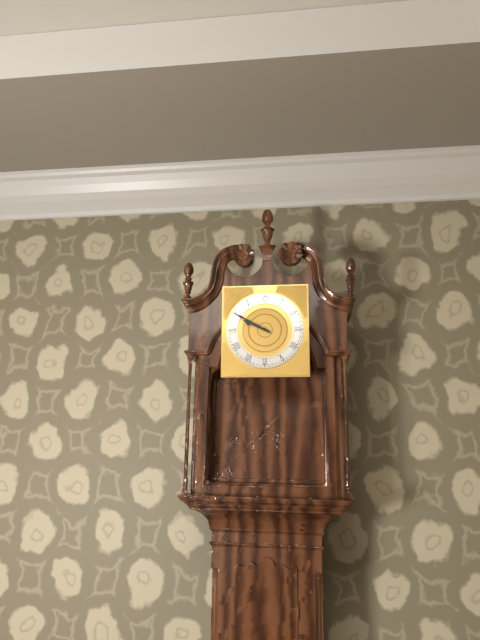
9:50
